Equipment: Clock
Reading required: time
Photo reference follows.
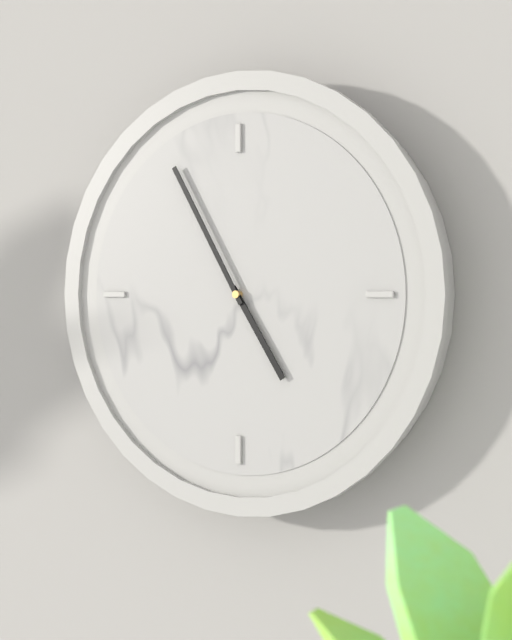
4:55
